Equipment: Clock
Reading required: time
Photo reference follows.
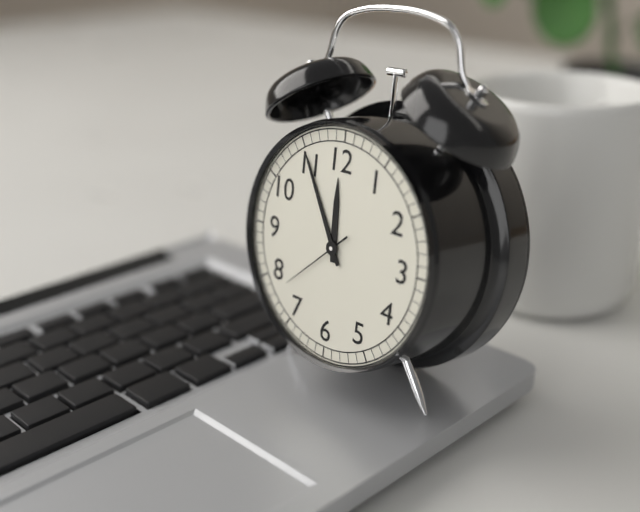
11:55:38
